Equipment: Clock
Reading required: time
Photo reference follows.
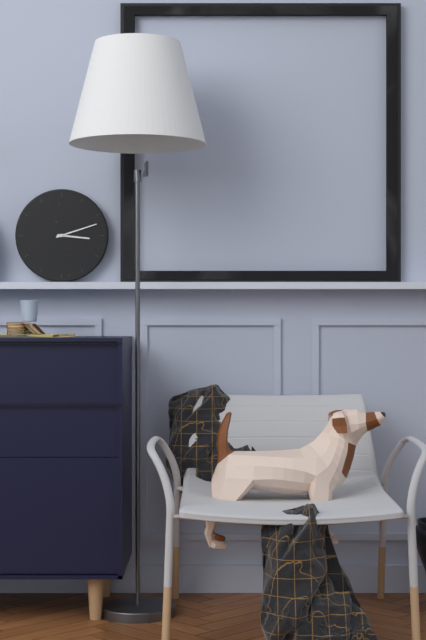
3:12
